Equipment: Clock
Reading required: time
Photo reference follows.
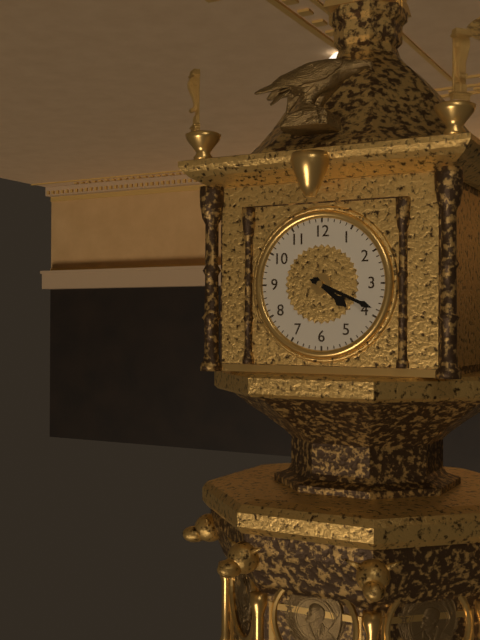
4:19
